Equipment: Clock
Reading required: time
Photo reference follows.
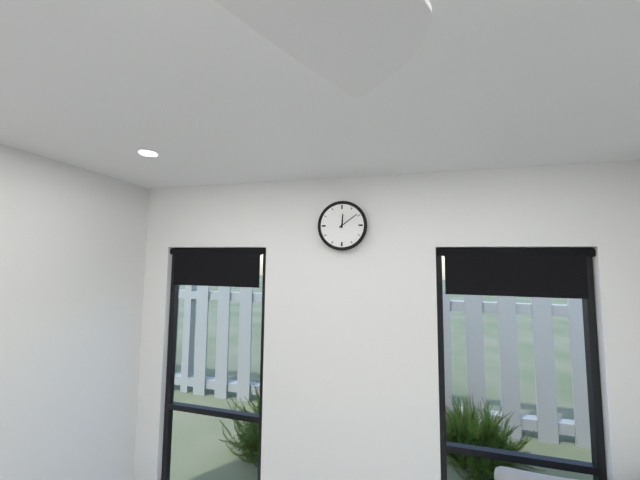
12:09
